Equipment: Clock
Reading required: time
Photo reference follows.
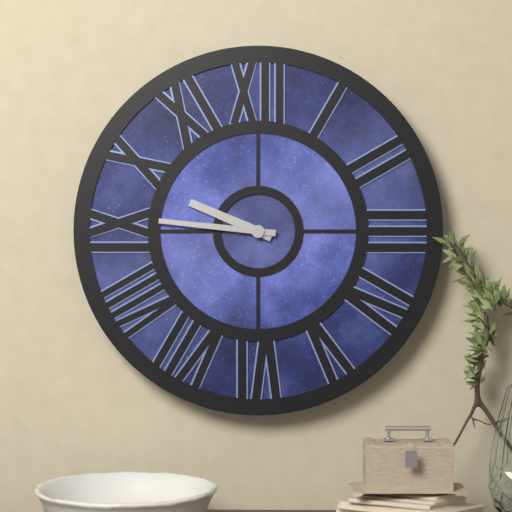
9:46
